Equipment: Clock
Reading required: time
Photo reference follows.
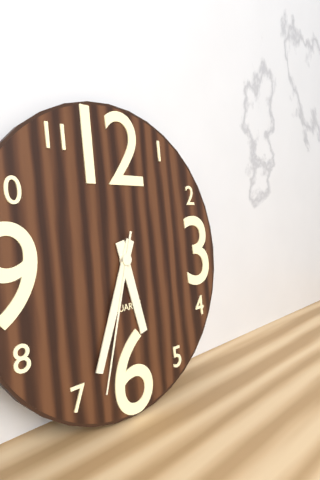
5:34:33
